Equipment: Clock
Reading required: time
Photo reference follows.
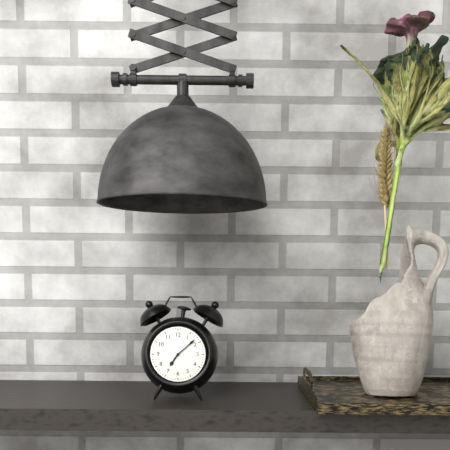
7:08
